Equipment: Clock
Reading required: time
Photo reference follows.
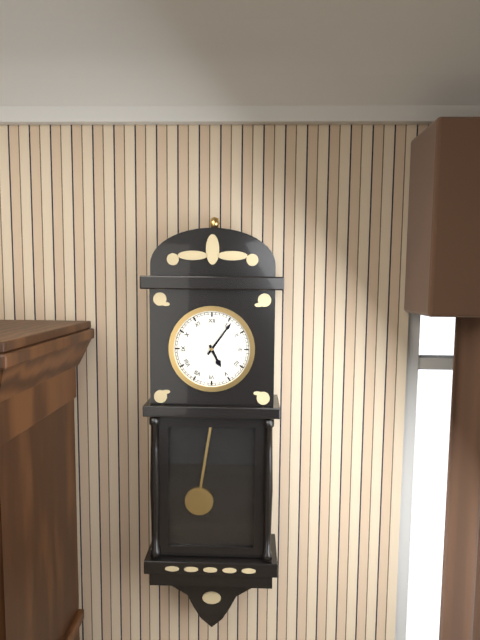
5:06
